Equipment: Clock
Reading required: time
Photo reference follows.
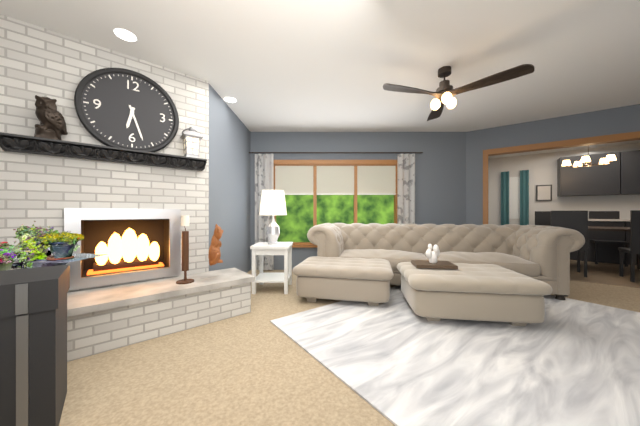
6:27
